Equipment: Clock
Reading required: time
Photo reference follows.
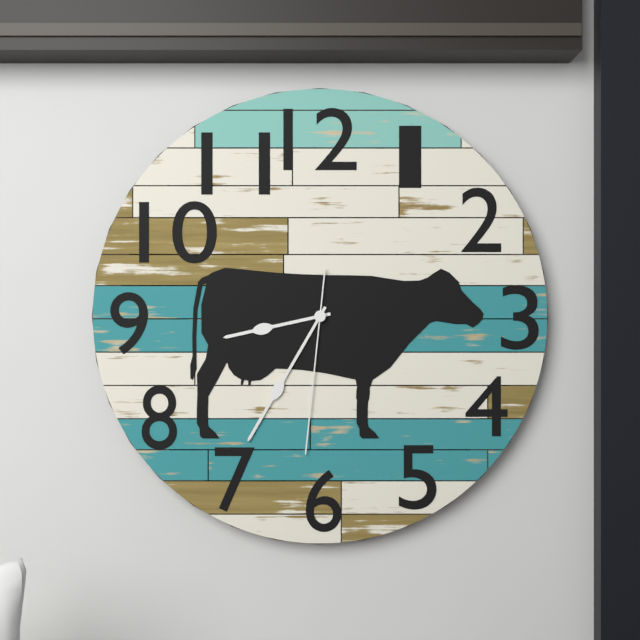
8:35:31
